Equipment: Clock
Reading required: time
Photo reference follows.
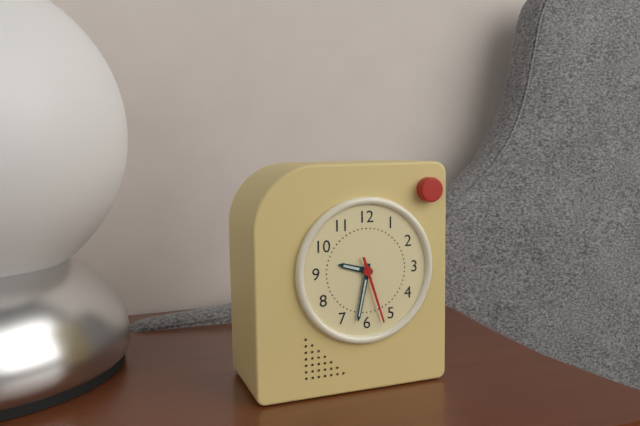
9:32:27
